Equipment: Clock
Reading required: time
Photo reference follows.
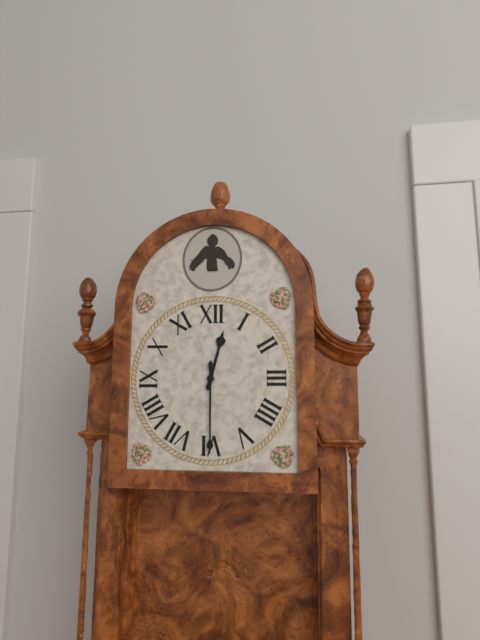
12:30
